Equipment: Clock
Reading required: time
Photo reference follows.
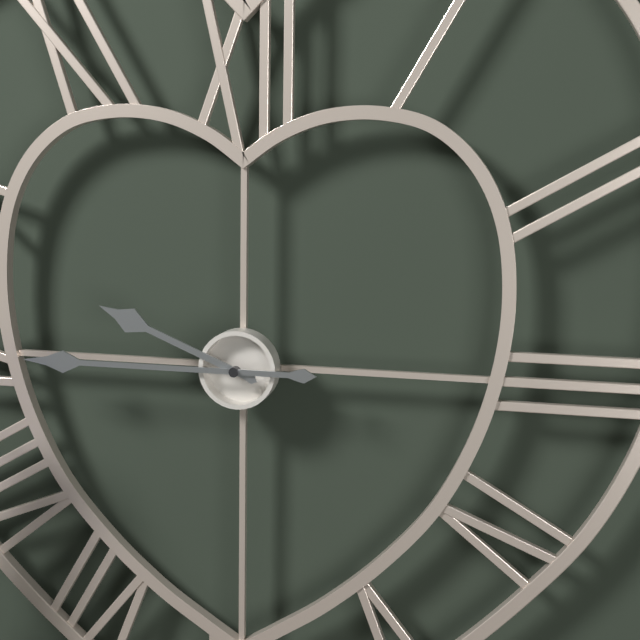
9:45
